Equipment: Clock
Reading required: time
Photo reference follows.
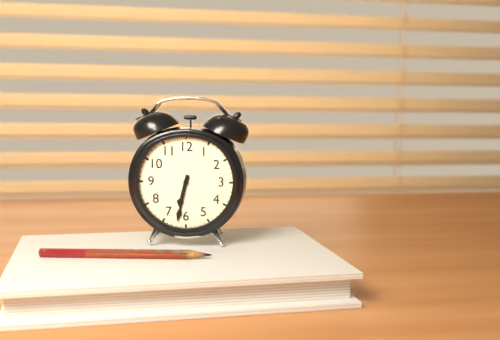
6:32
